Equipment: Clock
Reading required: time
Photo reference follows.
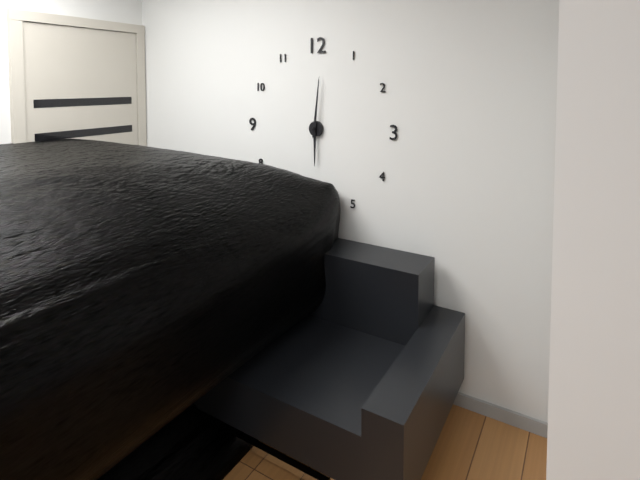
6:01
